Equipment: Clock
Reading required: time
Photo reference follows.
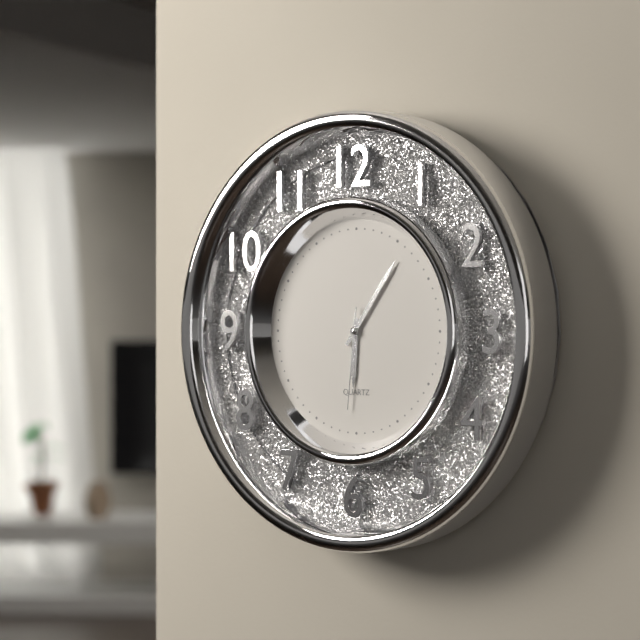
6:06:31
